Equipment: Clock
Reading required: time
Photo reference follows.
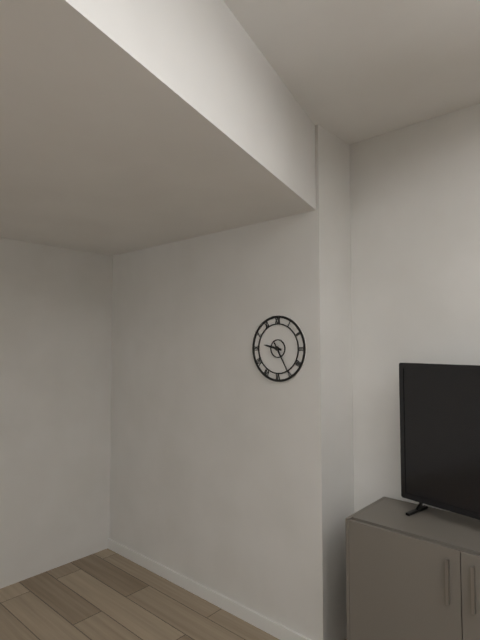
9:25
